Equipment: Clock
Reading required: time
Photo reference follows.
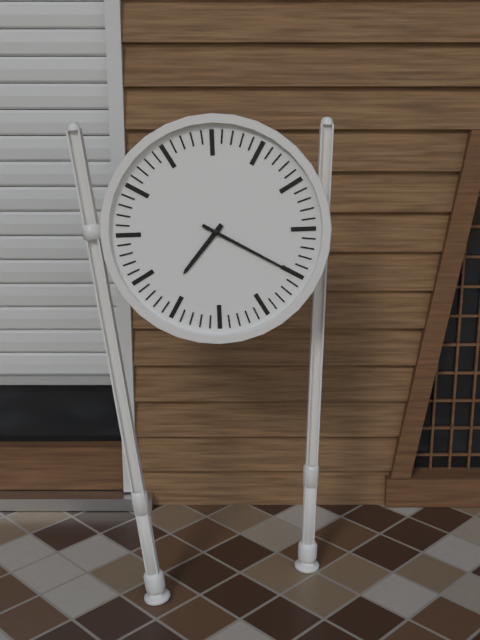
7:20
